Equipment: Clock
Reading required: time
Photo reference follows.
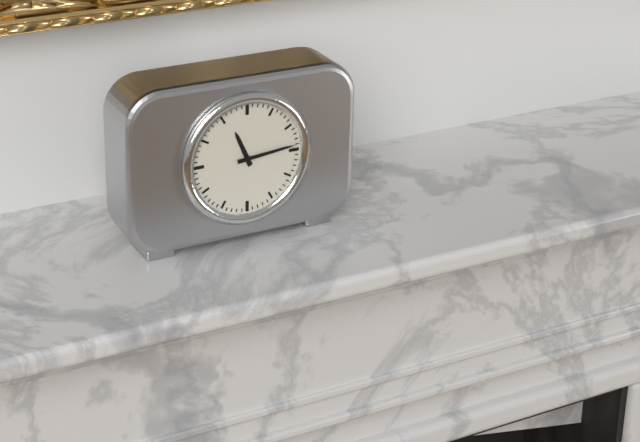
11:14
